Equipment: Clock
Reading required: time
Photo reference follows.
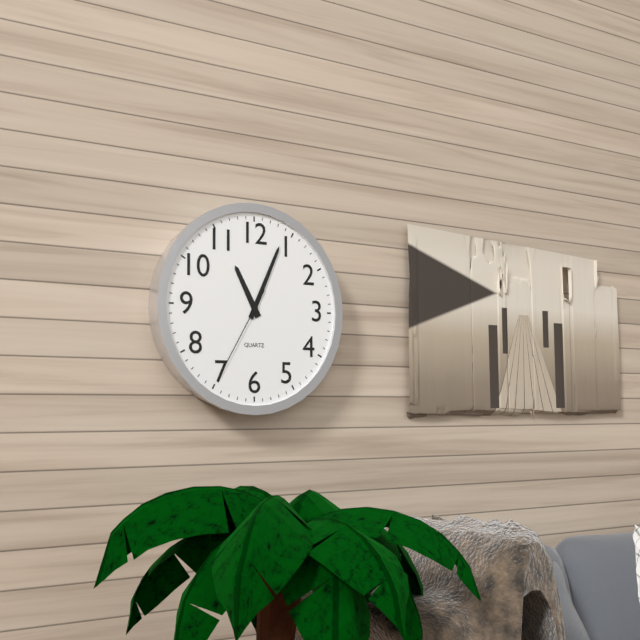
11:04:35
